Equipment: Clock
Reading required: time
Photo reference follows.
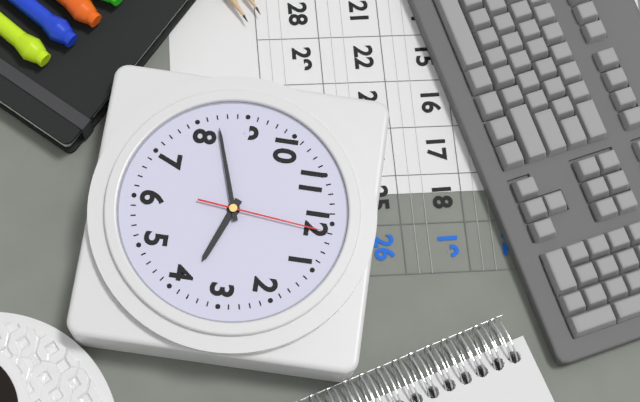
3:42:01
